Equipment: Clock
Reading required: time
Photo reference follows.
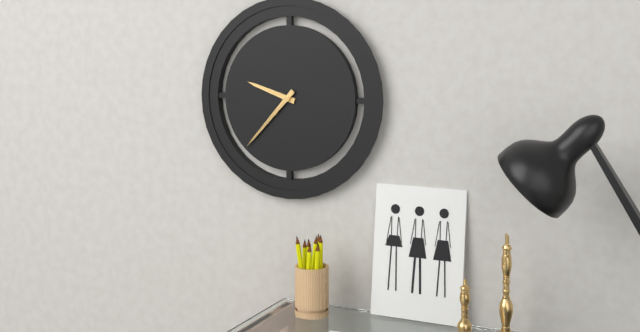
9:37
